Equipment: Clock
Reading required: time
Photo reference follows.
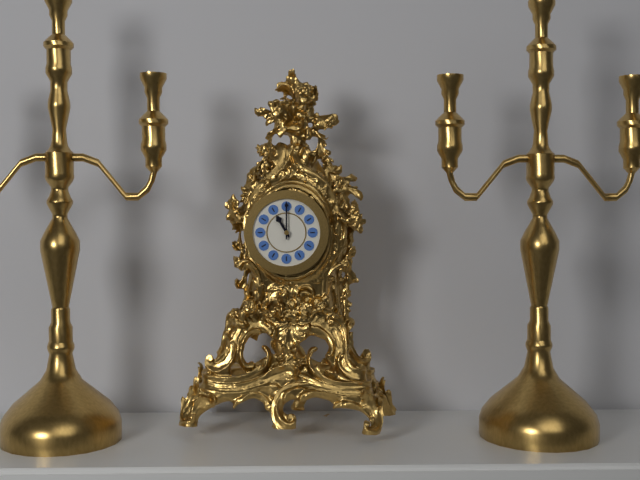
11:00
